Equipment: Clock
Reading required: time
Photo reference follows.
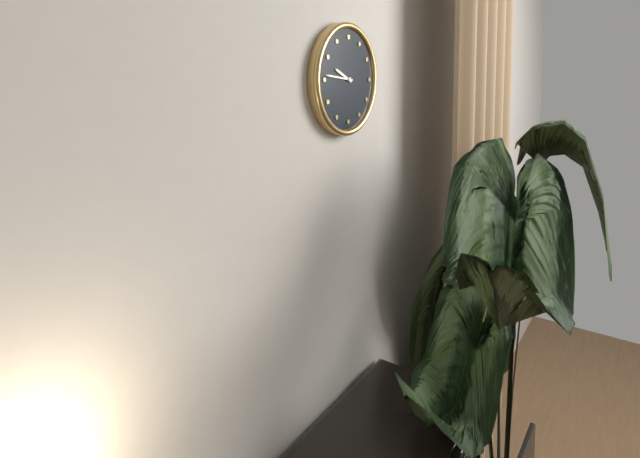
9:46
